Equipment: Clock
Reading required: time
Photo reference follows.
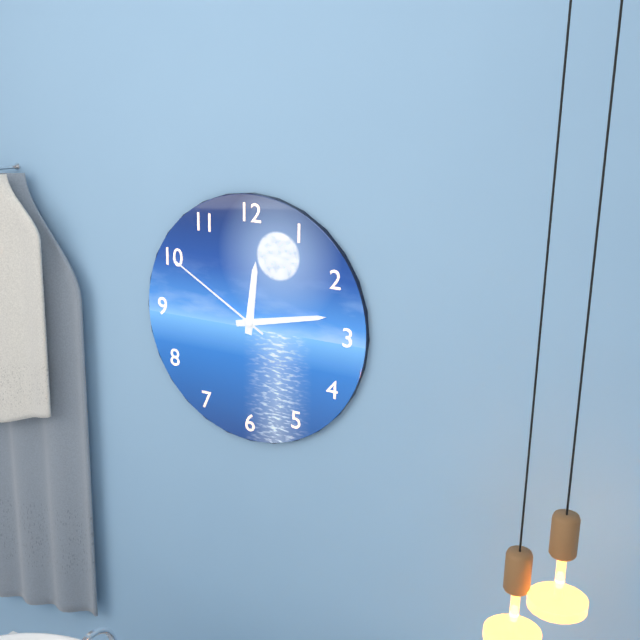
12:13:50
